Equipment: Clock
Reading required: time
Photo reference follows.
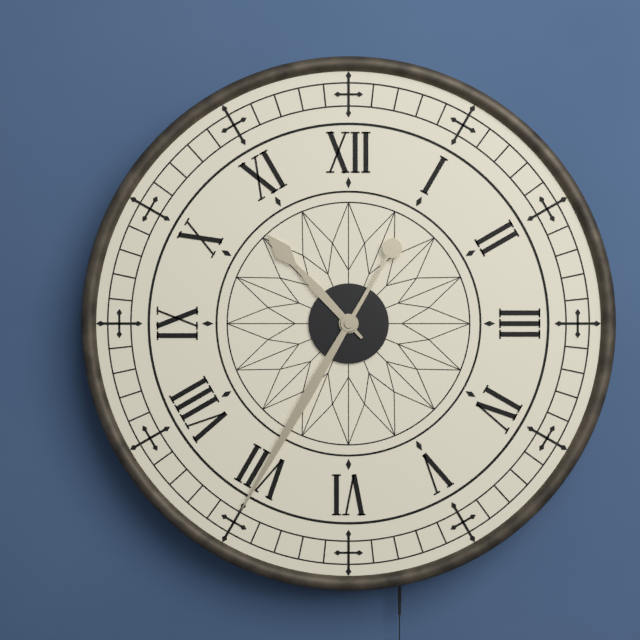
10:35
